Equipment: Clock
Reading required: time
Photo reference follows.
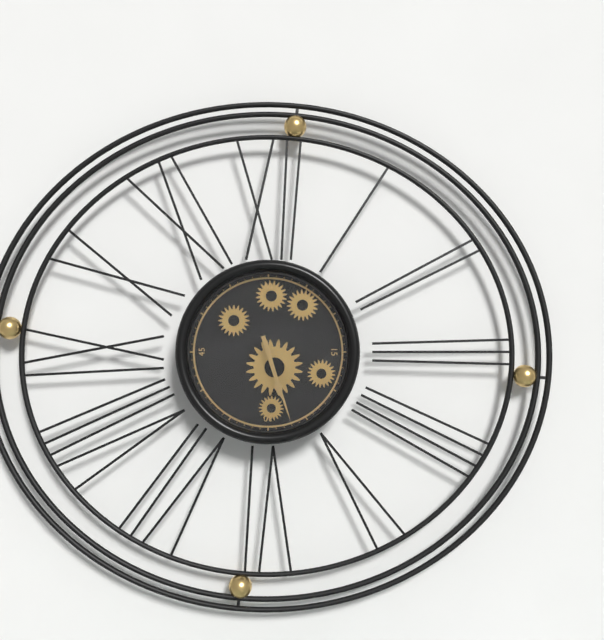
5:27
